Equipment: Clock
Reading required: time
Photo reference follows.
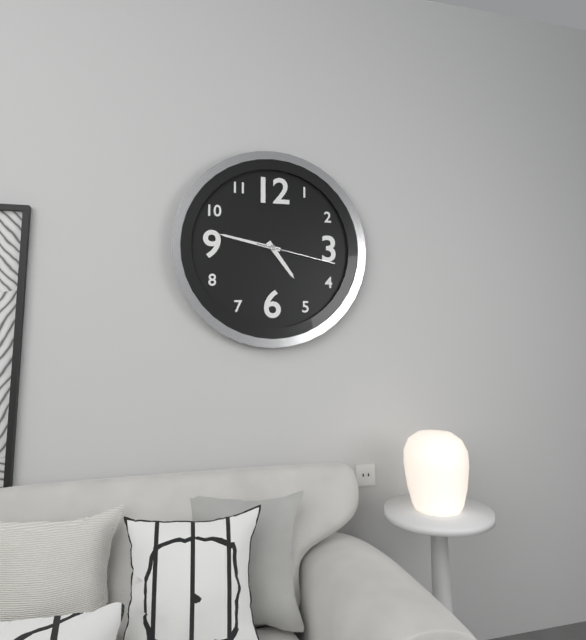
4:47:17
